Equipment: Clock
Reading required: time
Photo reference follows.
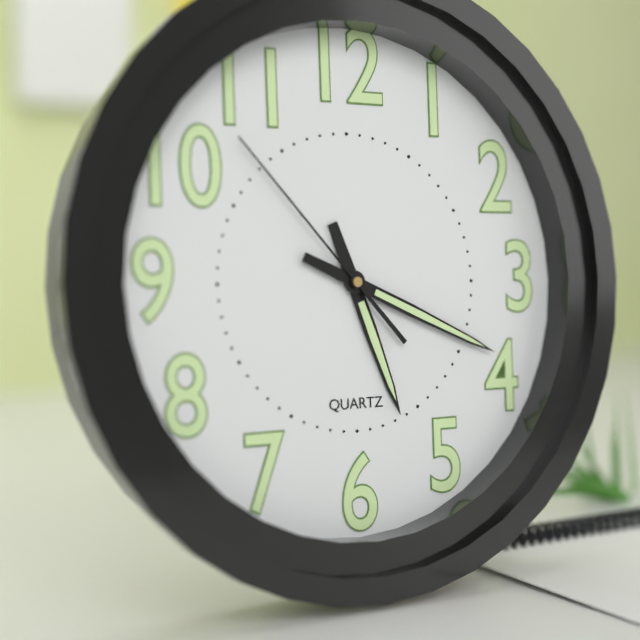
5:19:53
